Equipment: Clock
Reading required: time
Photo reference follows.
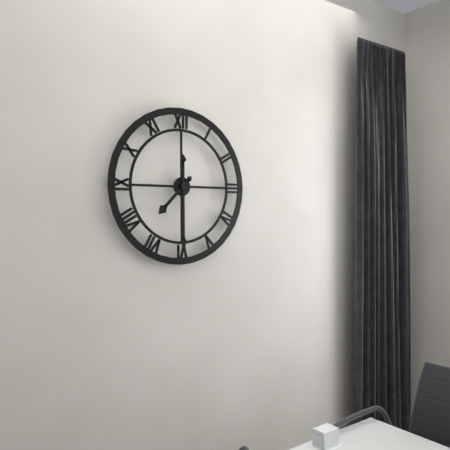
7:30
